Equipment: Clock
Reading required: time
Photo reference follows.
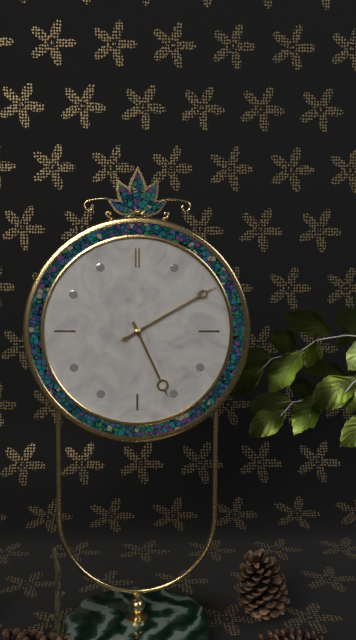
5:10:10
